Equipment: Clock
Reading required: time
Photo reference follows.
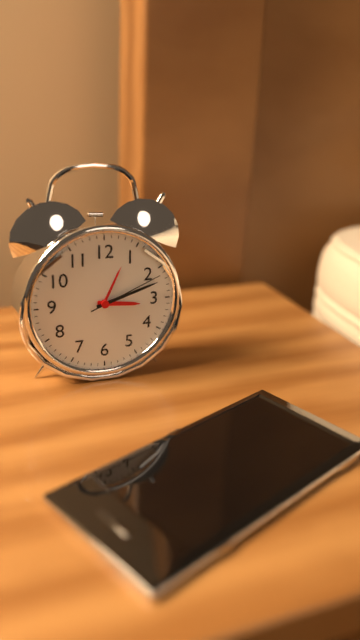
3:12:11
